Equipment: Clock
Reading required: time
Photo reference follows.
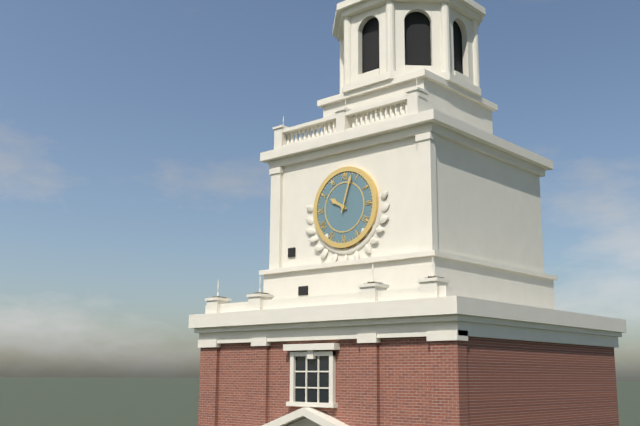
10:03
